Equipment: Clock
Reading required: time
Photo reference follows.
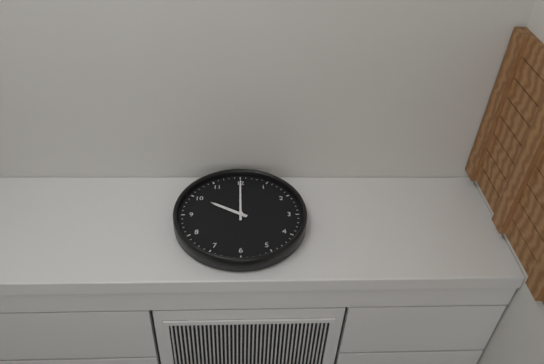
10:00
